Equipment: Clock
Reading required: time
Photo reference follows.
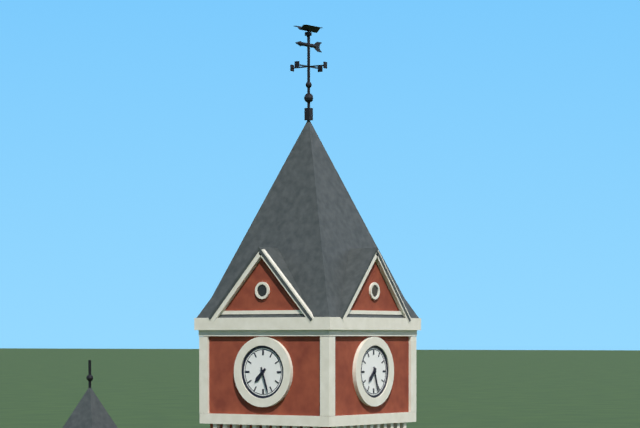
7:27
